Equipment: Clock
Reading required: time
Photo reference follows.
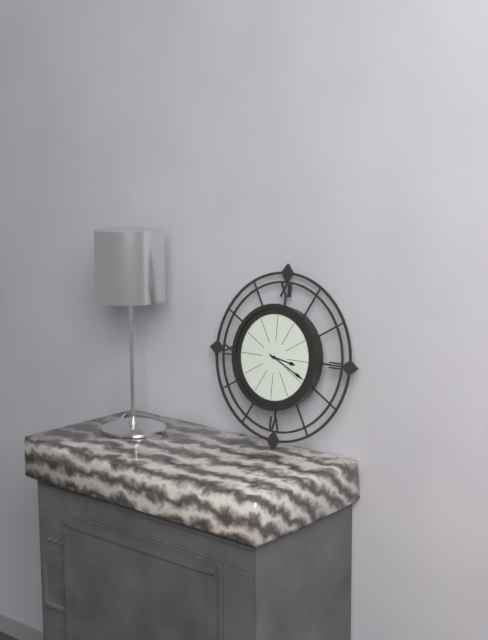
3:19
